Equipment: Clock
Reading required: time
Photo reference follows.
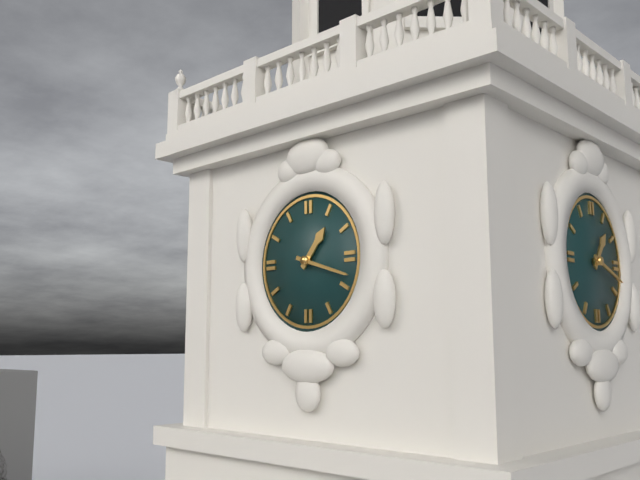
1:18
